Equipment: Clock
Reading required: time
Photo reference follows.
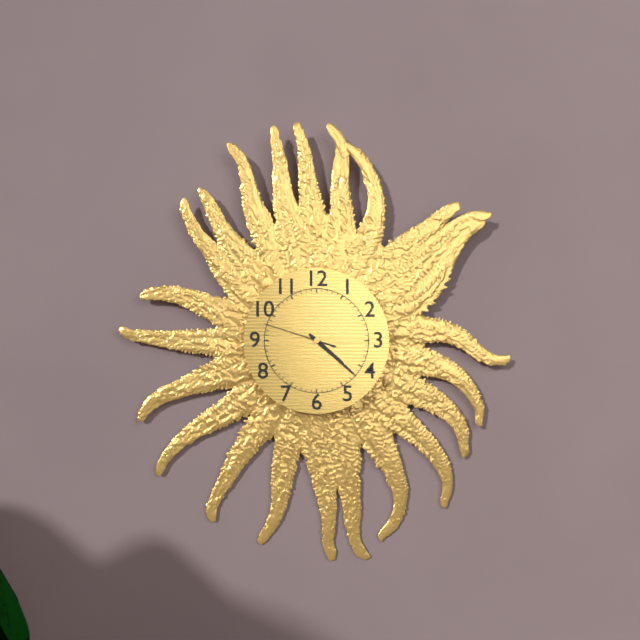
4:22:48
